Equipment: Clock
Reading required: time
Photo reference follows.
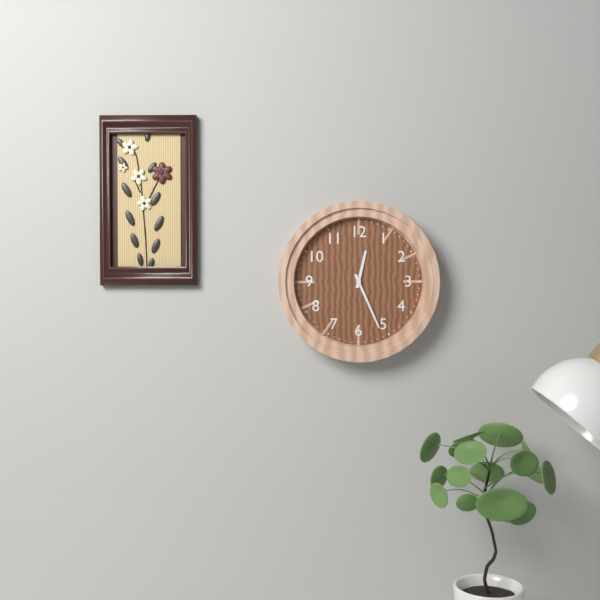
12:26
